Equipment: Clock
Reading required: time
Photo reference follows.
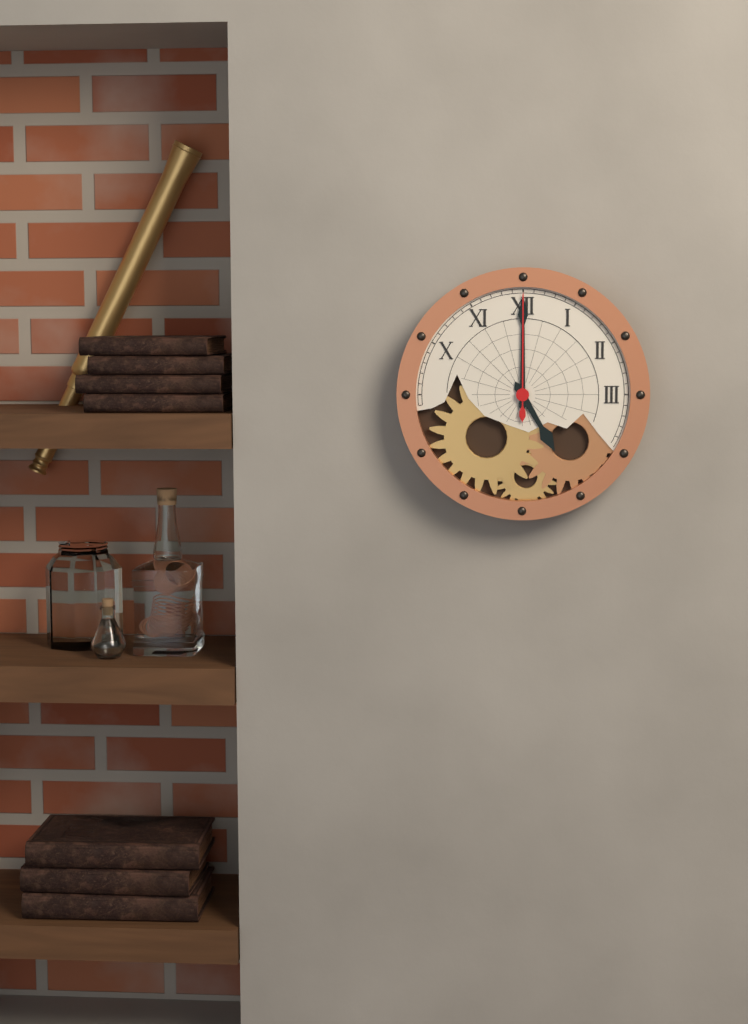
5:00:00
